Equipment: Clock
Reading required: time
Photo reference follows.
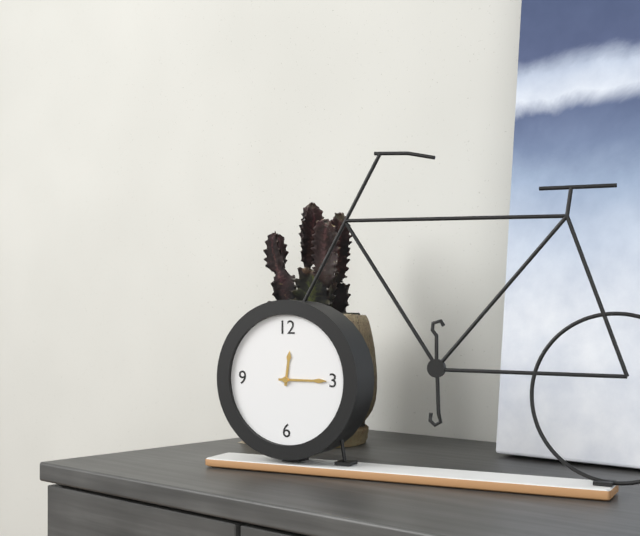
12:15
